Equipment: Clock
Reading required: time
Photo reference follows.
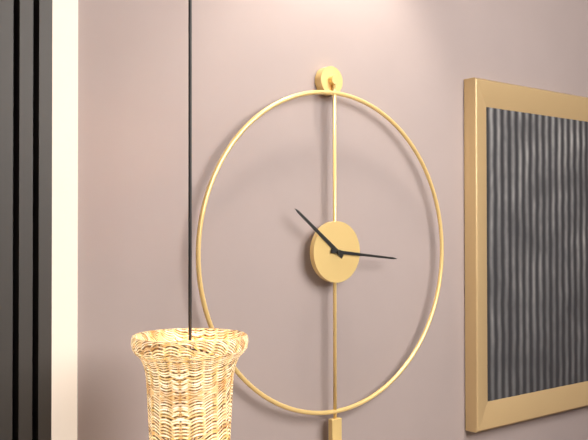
10:16
